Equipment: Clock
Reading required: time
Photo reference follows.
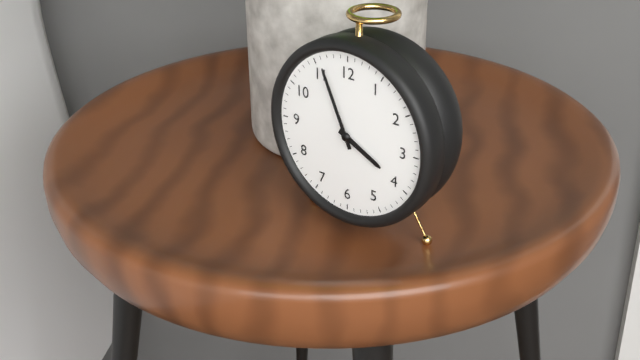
3:56
